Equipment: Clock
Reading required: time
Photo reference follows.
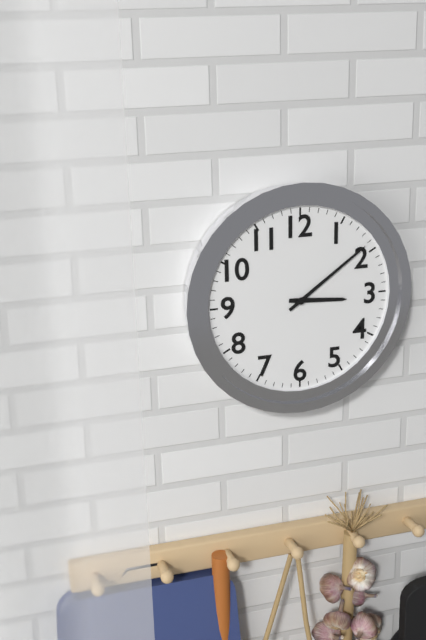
3:09
